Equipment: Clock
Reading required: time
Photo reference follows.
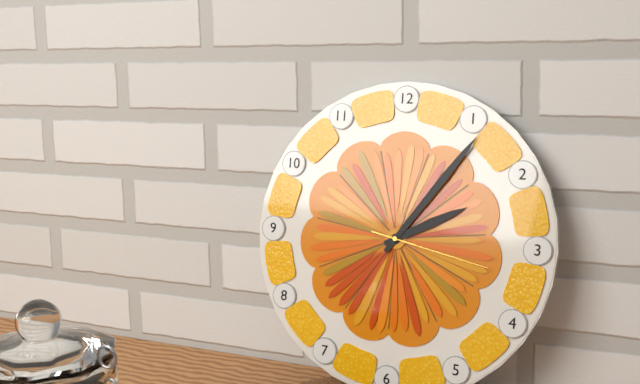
2:06:17
